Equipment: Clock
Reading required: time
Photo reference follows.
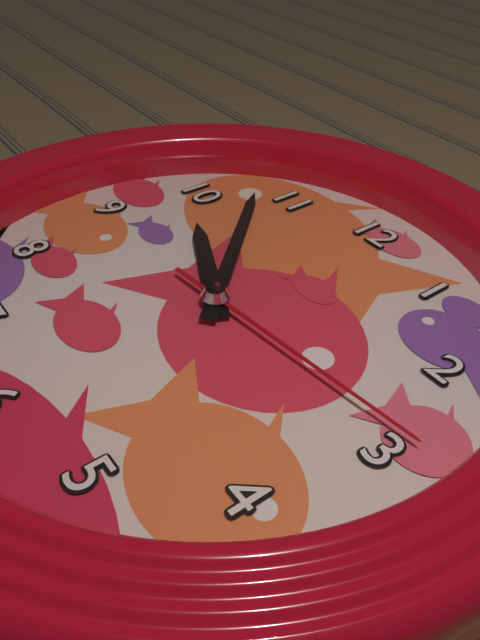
9:53:14
